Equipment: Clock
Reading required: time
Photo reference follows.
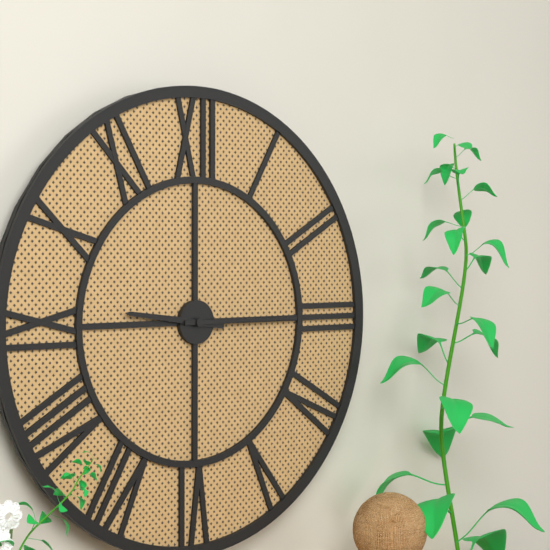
9:15
